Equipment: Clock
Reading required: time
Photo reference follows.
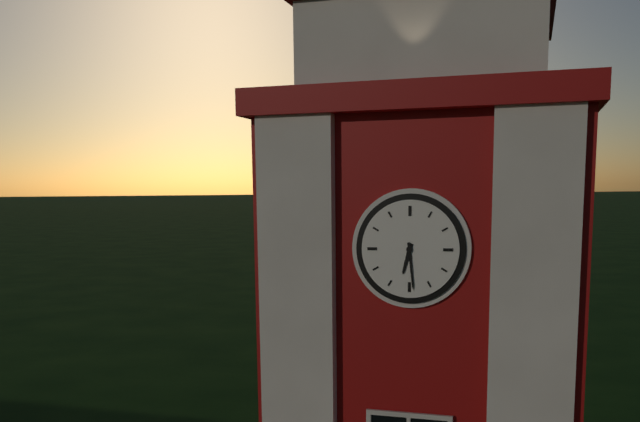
6:29
